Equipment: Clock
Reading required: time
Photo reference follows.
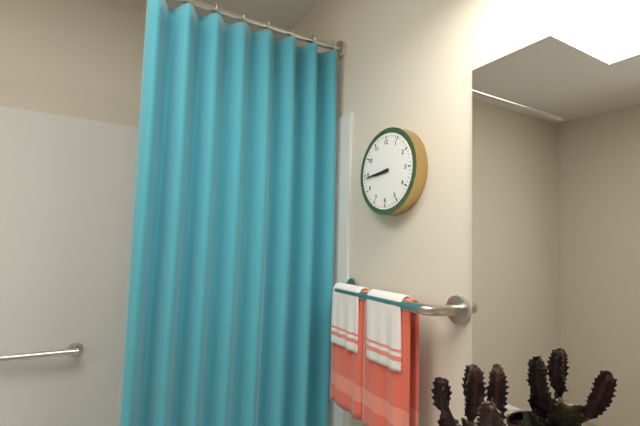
8:44
